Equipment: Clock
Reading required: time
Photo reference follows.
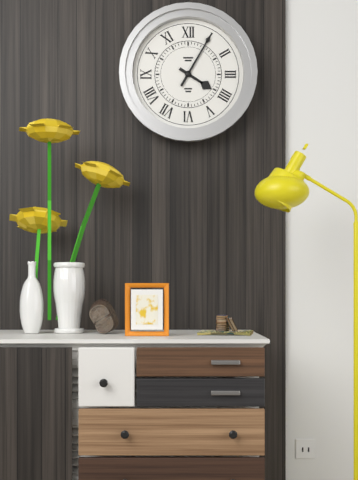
4:05
